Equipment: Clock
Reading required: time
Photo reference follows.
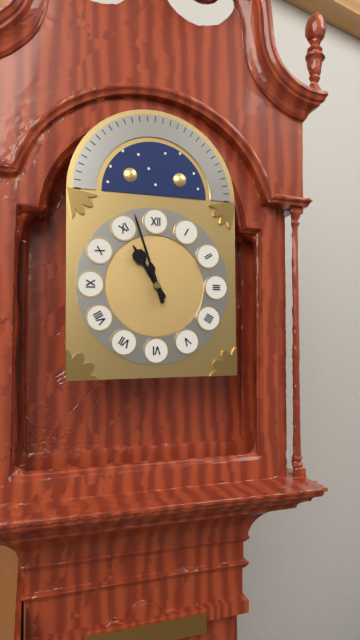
10:57
